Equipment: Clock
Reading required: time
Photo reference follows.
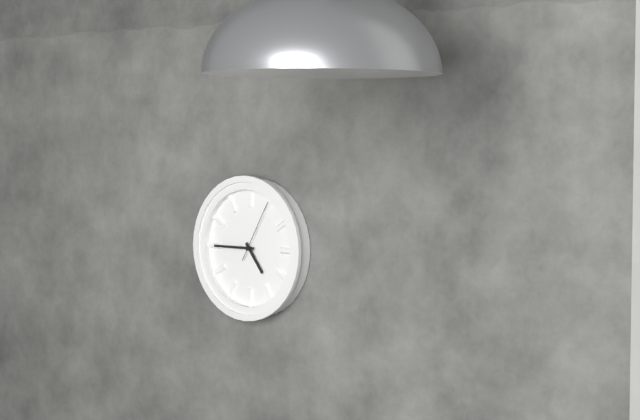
4:45:05
